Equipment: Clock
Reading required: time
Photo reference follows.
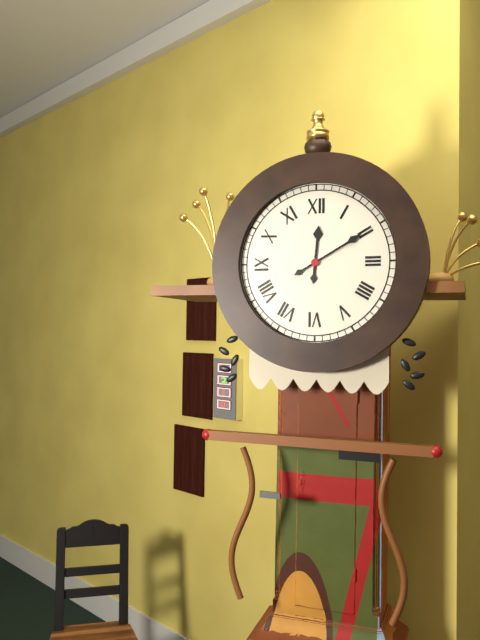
12:10
